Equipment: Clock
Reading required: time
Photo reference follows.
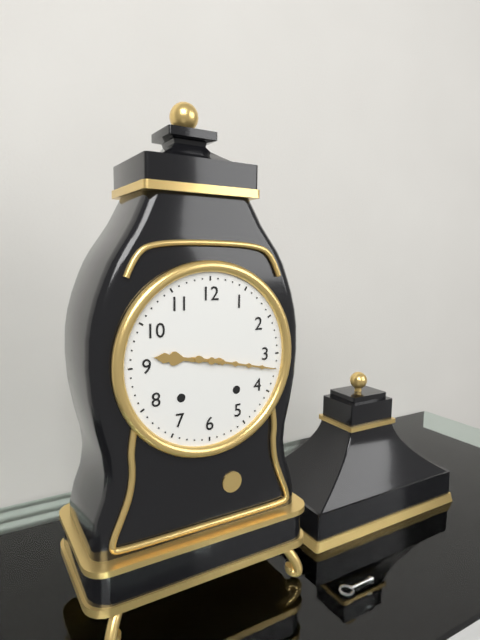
9:17
